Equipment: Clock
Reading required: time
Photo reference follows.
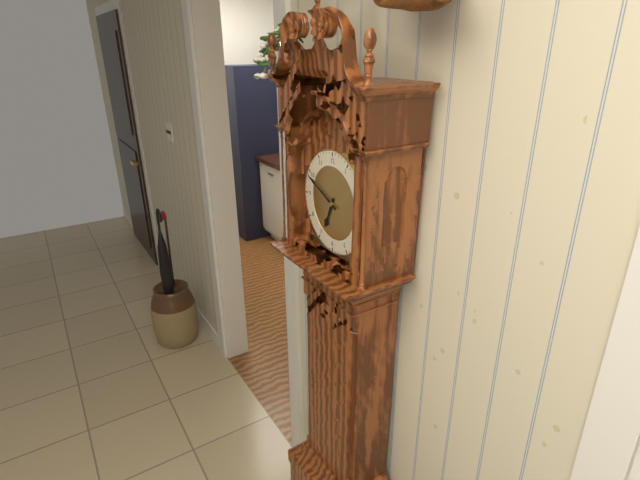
6:49
